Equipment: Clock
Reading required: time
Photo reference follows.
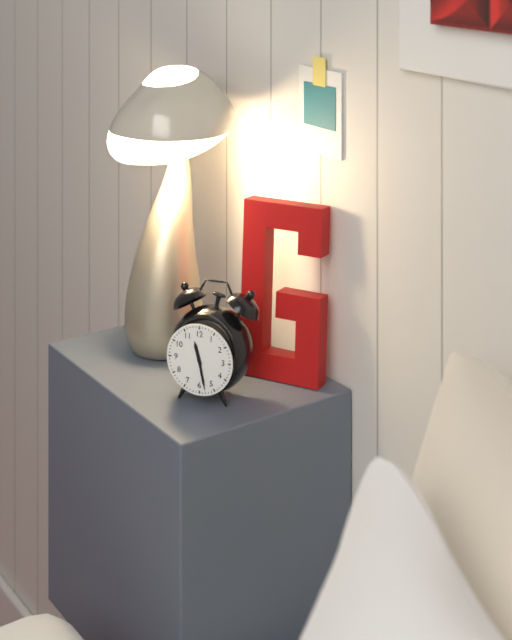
11:28
